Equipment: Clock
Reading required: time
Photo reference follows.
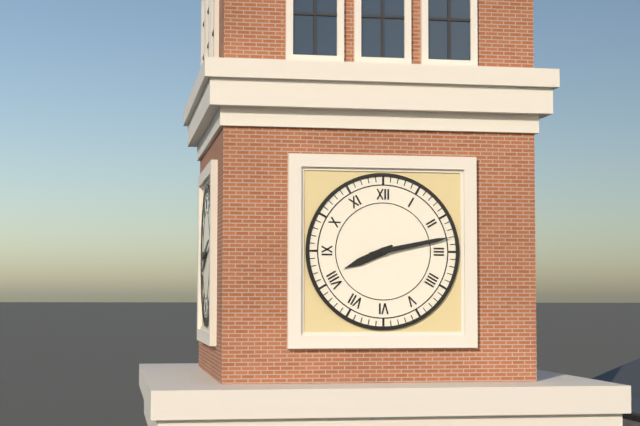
8:13
